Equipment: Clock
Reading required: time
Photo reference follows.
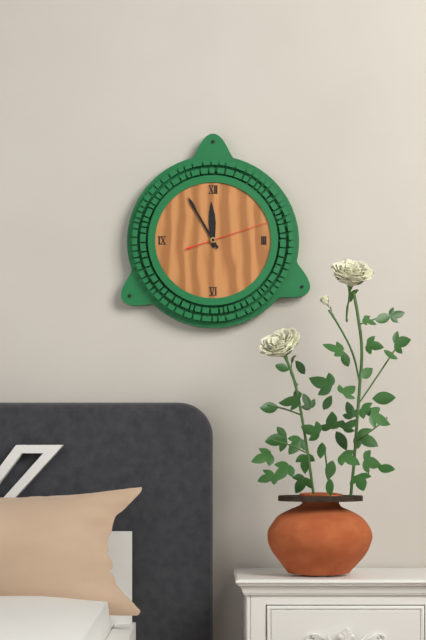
11:55:12
